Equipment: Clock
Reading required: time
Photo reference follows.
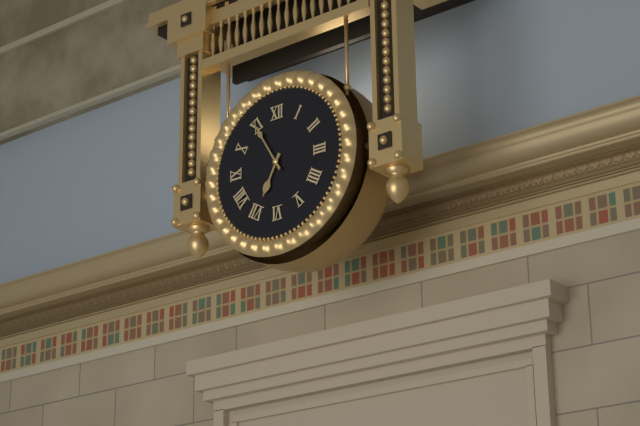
6:55
